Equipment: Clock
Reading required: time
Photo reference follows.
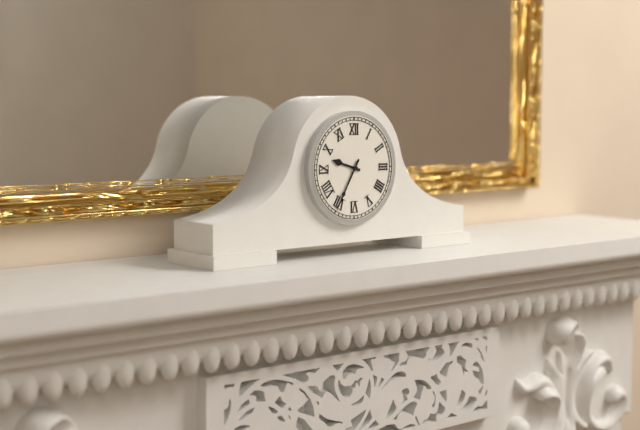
9:35
